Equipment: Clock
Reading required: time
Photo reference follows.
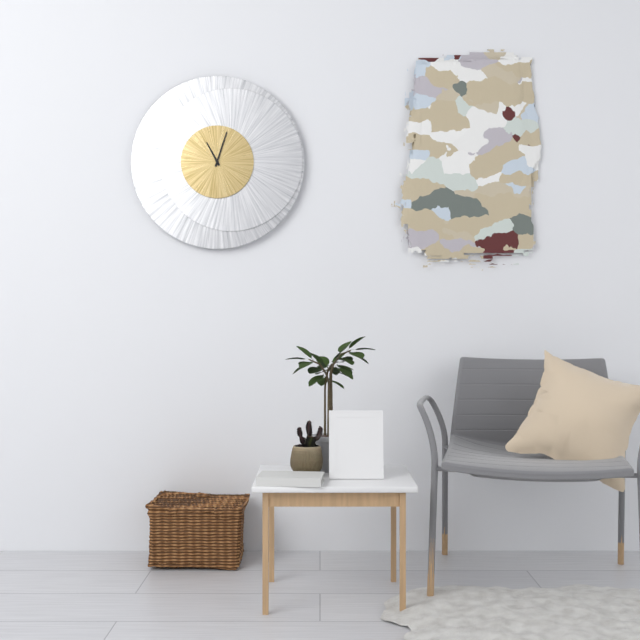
11:03
